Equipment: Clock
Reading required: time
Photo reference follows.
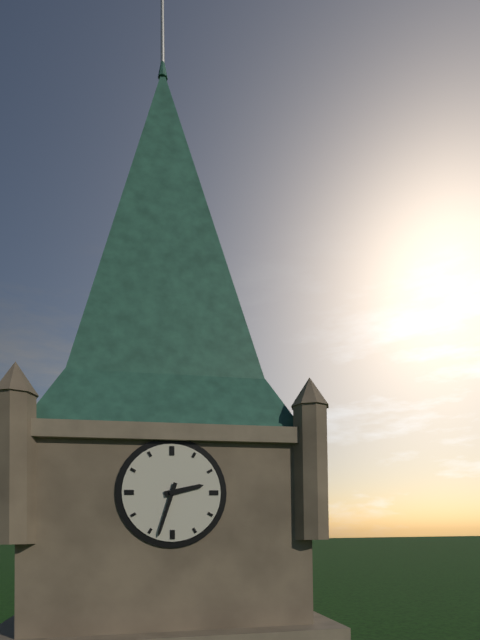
2:33
